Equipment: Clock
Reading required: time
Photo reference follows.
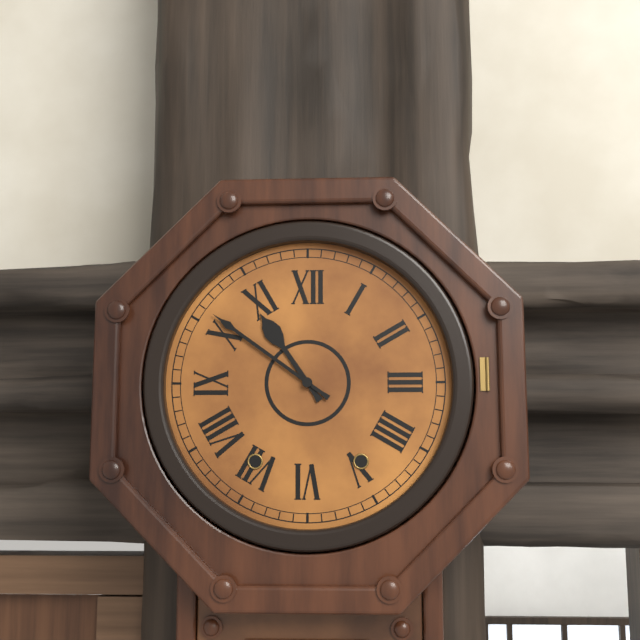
10:51
